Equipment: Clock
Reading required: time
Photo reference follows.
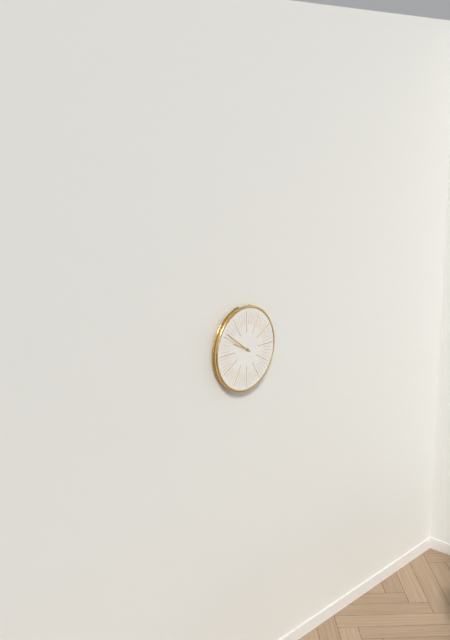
9:51
